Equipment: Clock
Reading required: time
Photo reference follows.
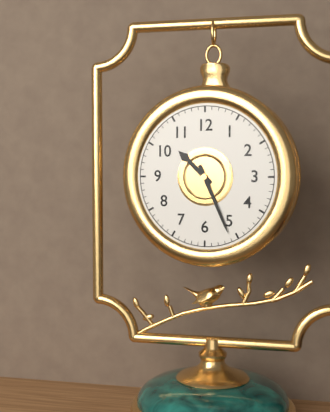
10:26
